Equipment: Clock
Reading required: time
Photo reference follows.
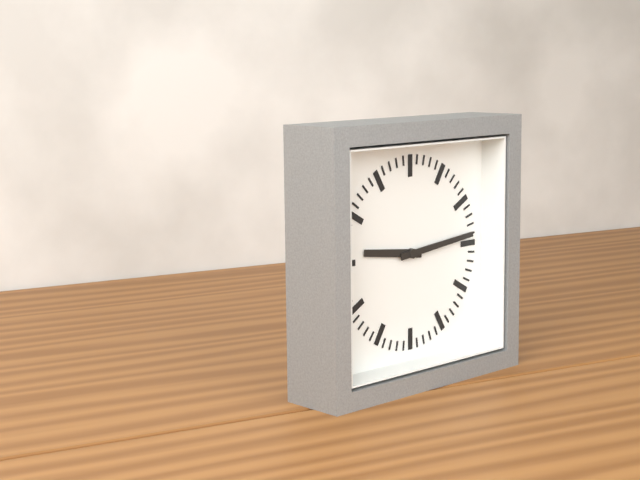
9:14
